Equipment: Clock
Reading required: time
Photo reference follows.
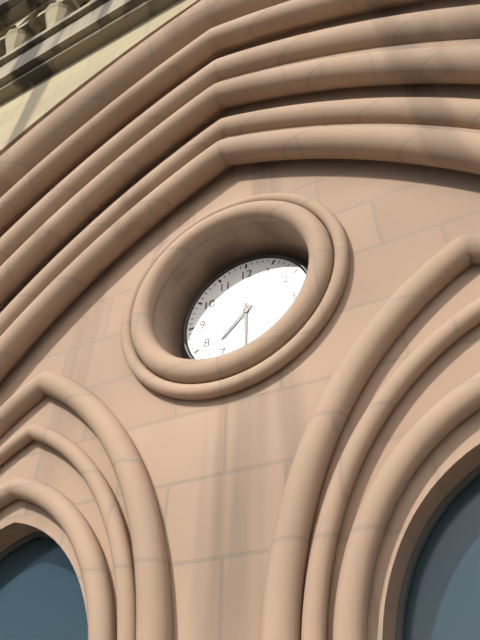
7:30
